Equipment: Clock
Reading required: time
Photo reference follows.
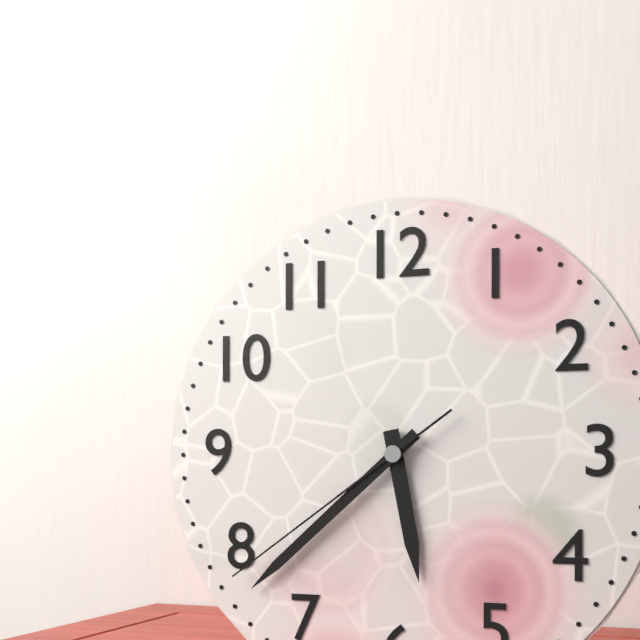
5:38:39
